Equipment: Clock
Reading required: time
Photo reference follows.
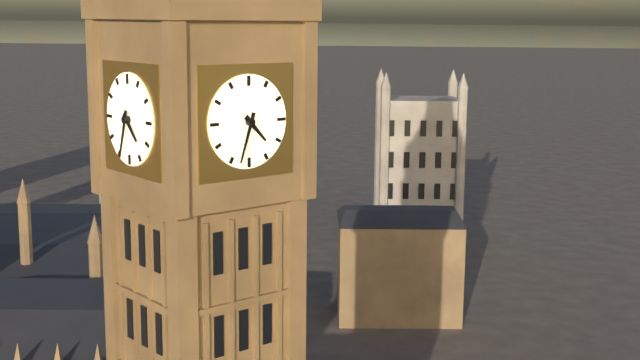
4:33
